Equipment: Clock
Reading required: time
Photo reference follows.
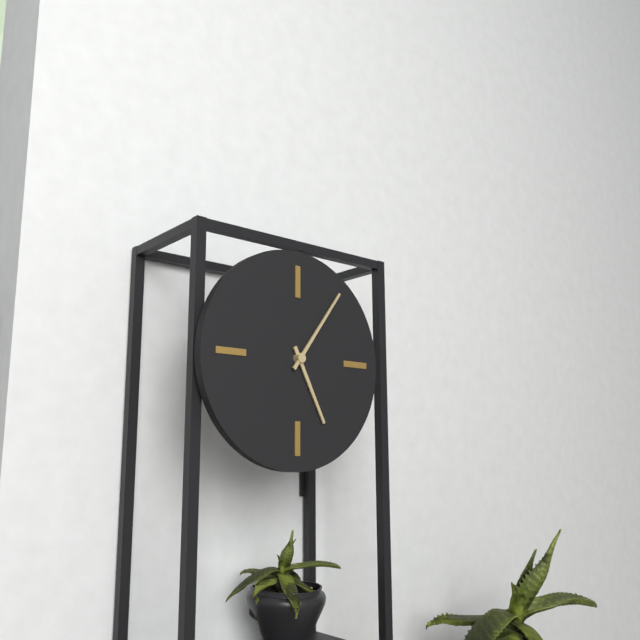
5:06
